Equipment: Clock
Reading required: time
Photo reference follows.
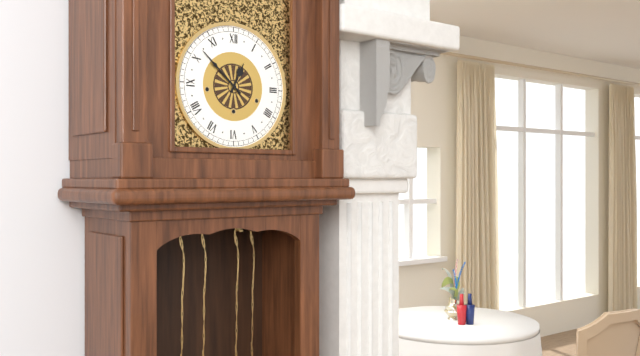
12:52
